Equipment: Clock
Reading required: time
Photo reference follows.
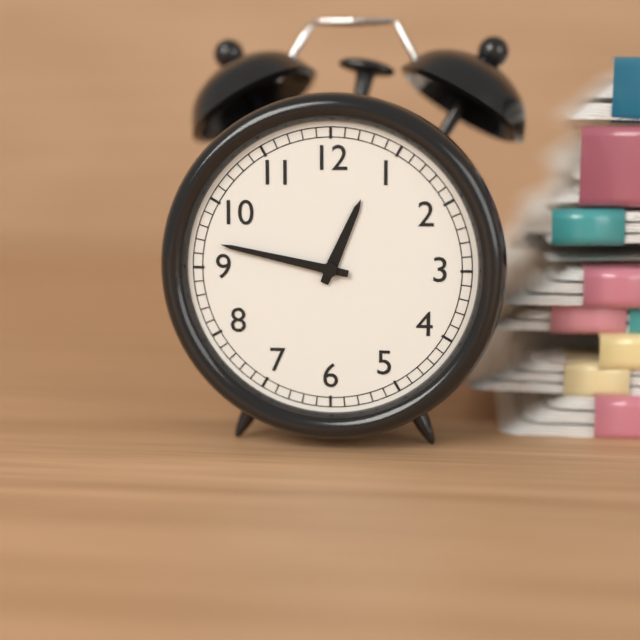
12:47
